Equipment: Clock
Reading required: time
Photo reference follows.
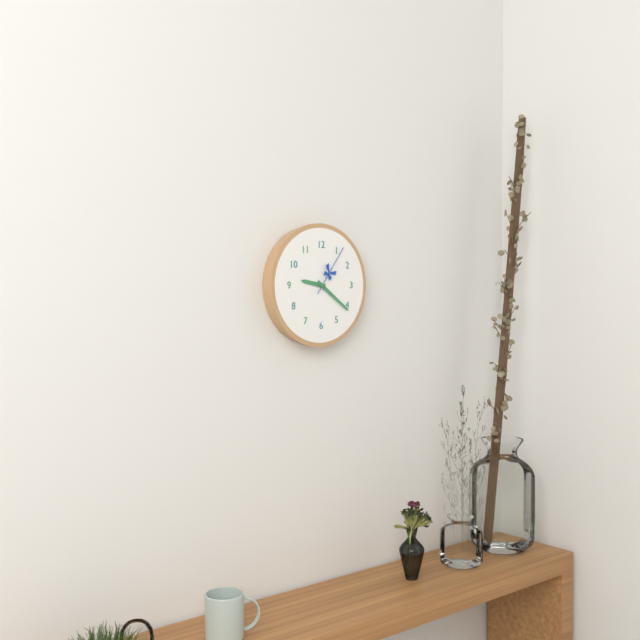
9:21:06
